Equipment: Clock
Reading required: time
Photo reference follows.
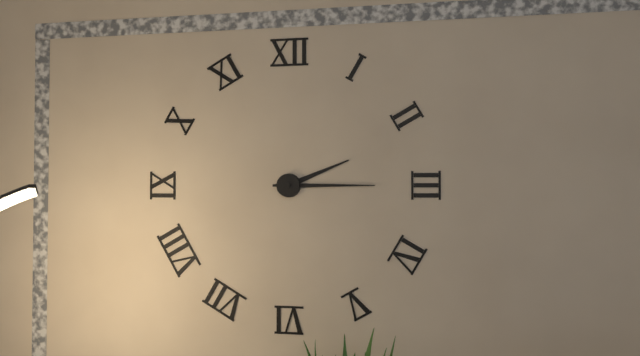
2:15
